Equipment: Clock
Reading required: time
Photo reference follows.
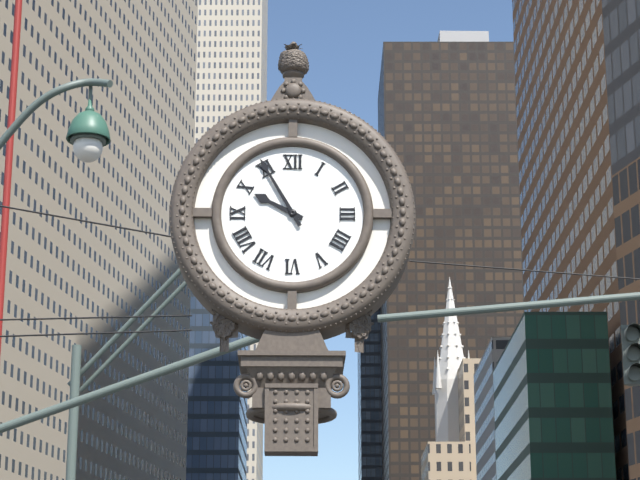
9:55
